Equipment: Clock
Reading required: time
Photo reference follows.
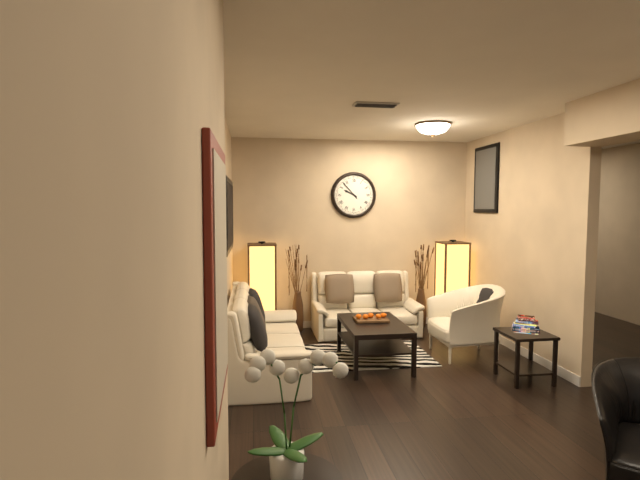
9:53
